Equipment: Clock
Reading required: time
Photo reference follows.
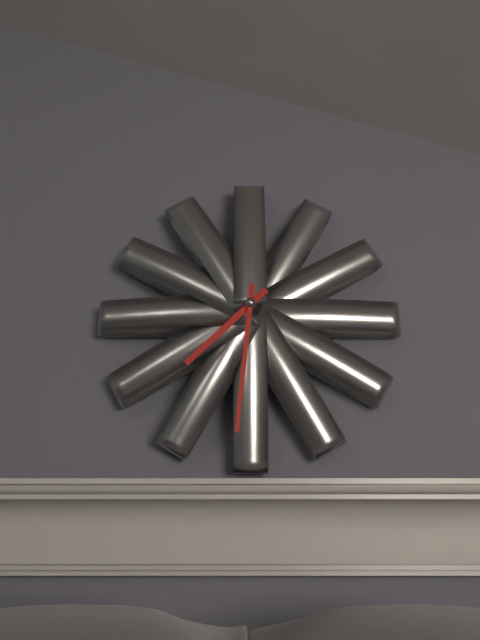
7:31
